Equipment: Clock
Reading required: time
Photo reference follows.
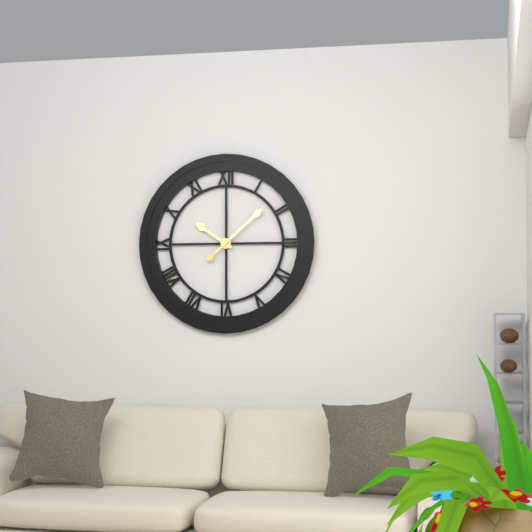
10:08
